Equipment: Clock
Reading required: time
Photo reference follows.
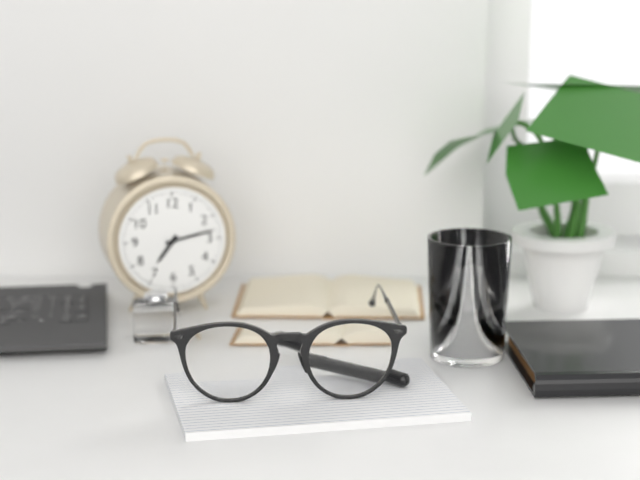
7:13
